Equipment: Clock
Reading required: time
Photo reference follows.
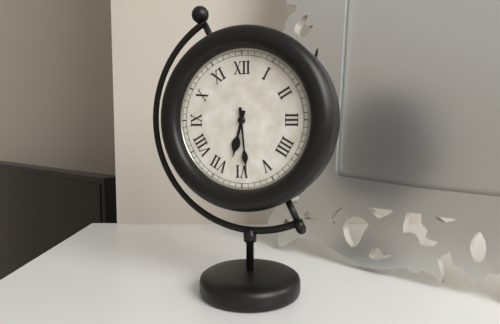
6:29
